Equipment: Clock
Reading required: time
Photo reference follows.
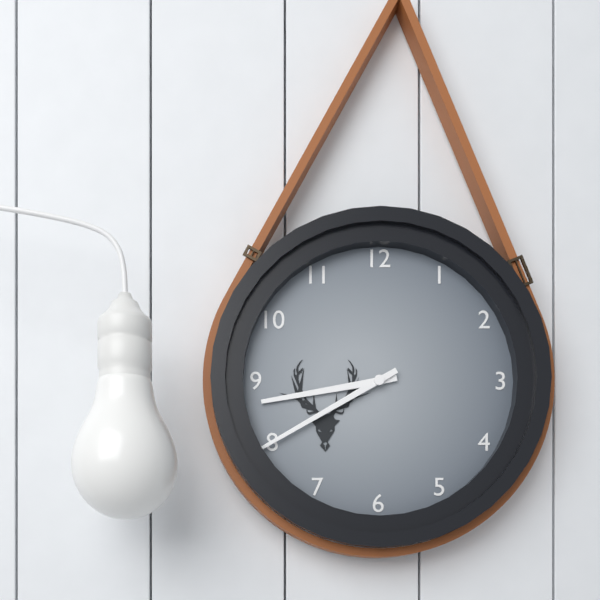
8:40
